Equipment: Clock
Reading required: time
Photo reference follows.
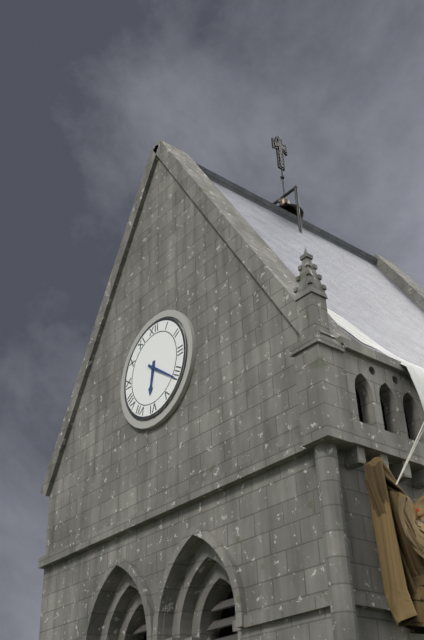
6:21
